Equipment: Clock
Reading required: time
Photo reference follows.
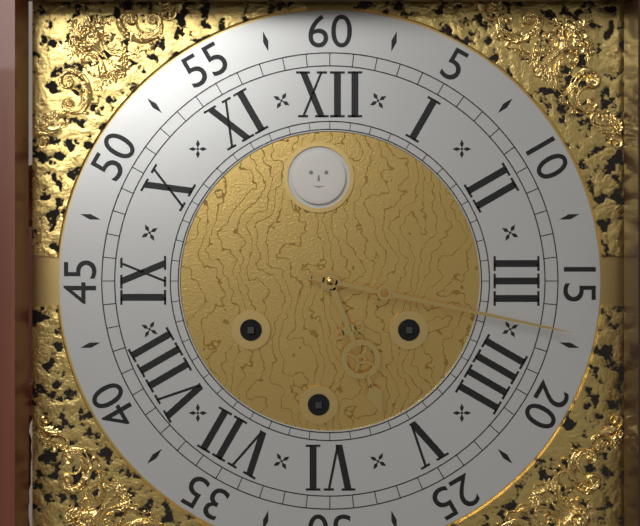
5:17
